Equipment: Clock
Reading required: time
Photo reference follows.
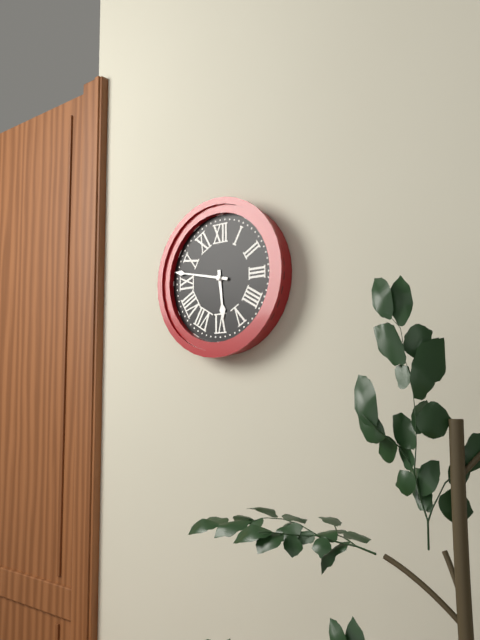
5:47
